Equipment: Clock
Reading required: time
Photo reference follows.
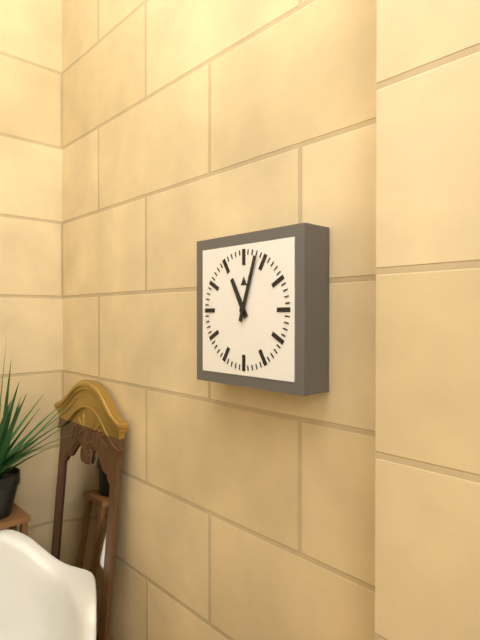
11:03
